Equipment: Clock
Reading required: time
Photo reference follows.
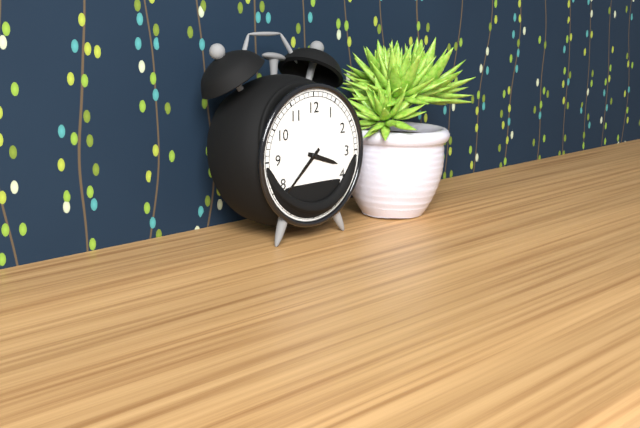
3:38
